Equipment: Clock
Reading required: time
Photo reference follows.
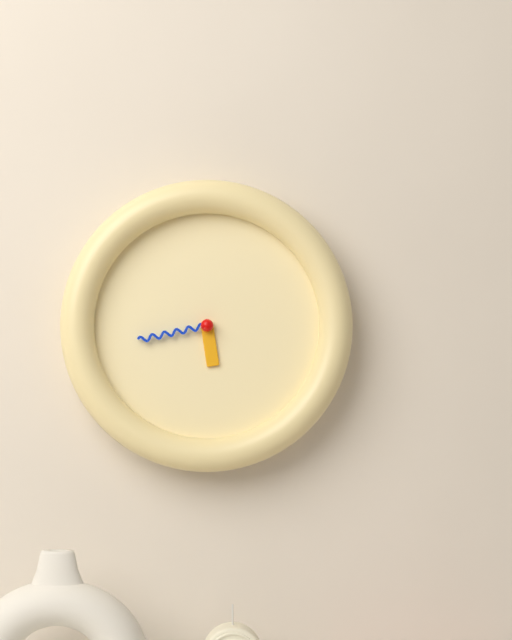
5:43
